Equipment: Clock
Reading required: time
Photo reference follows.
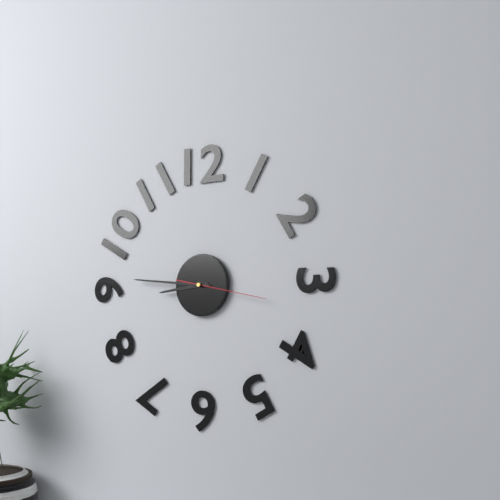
8:46:17
